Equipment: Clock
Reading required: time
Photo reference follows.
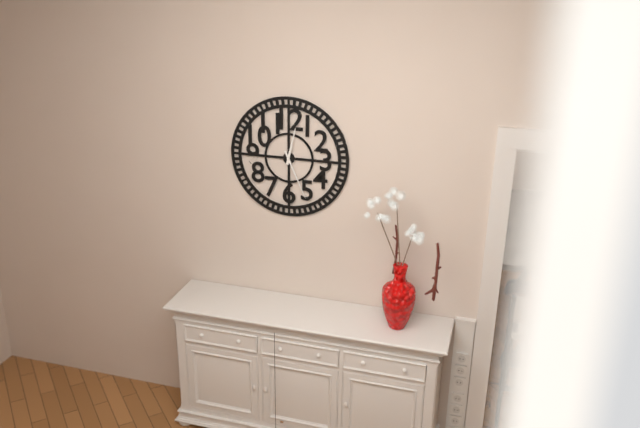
12:26
